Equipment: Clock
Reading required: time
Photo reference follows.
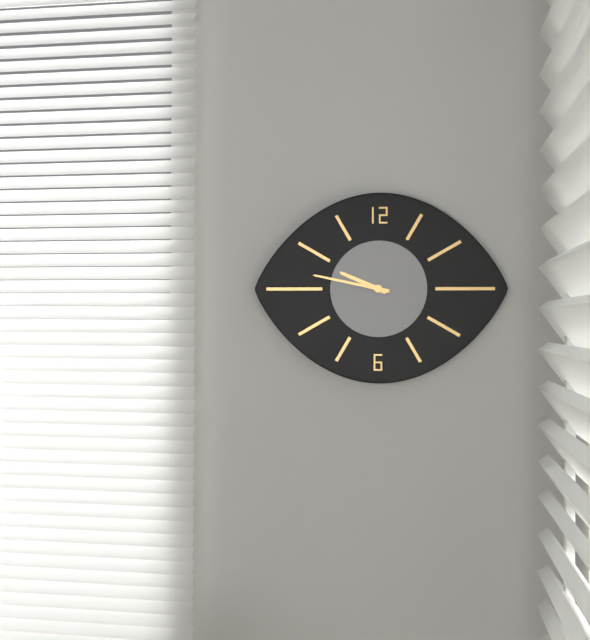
9:47
